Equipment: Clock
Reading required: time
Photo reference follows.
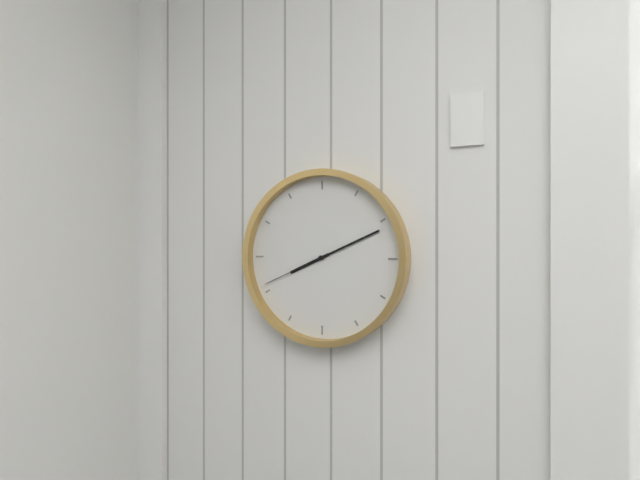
8:11:41
